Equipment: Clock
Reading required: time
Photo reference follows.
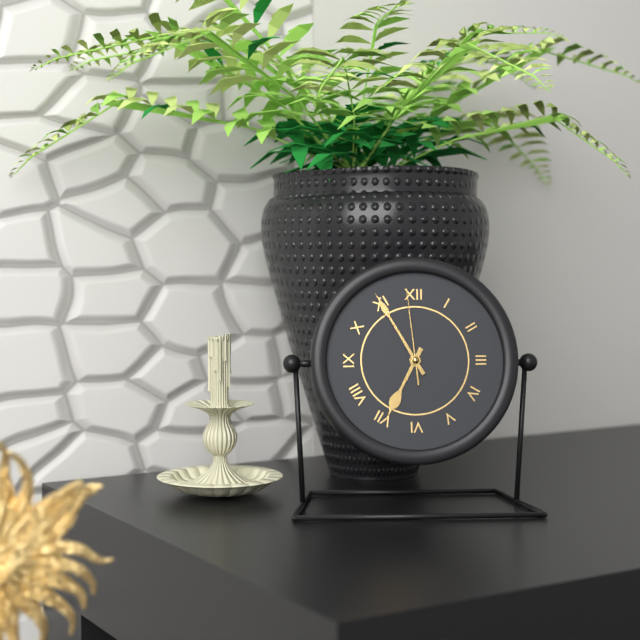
6:55:59
